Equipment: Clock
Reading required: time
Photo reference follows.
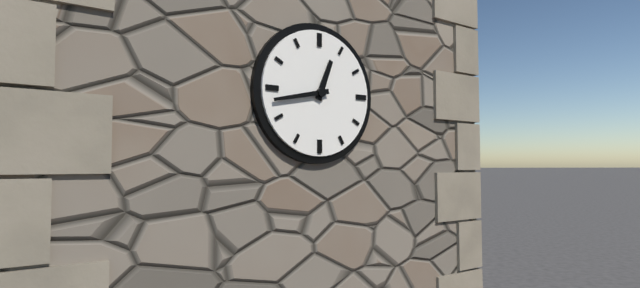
12:43
